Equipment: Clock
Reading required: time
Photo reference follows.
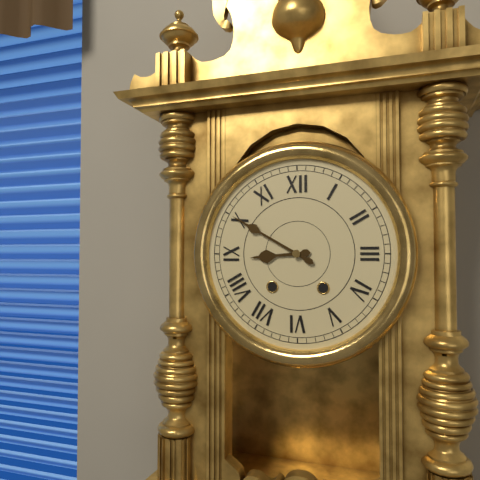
8:50
